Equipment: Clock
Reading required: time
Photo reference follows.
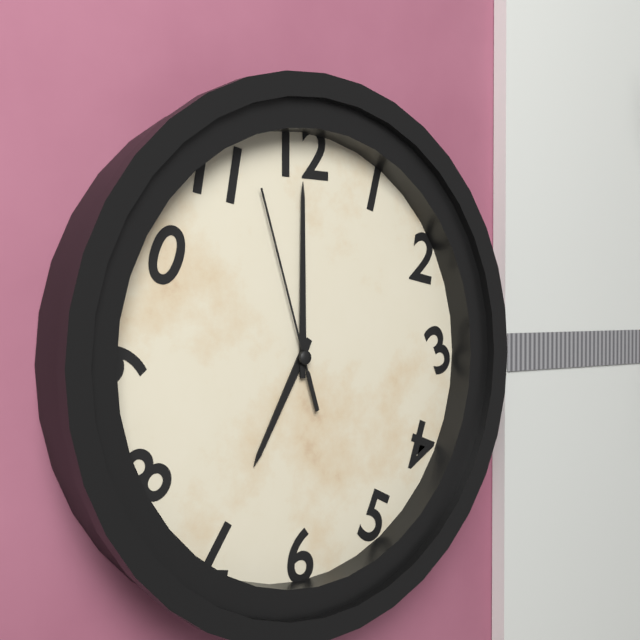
7:00:57
